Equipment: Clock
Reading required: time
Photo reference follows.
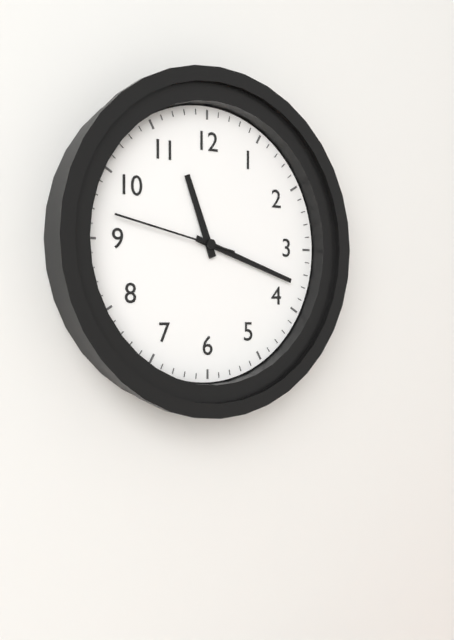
11:18:47
